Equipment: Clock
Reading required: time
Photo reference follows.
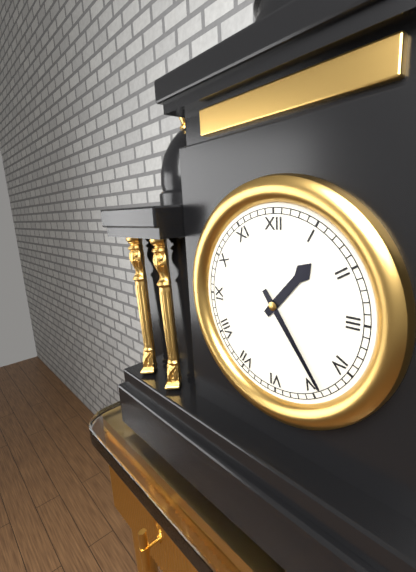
1:24
